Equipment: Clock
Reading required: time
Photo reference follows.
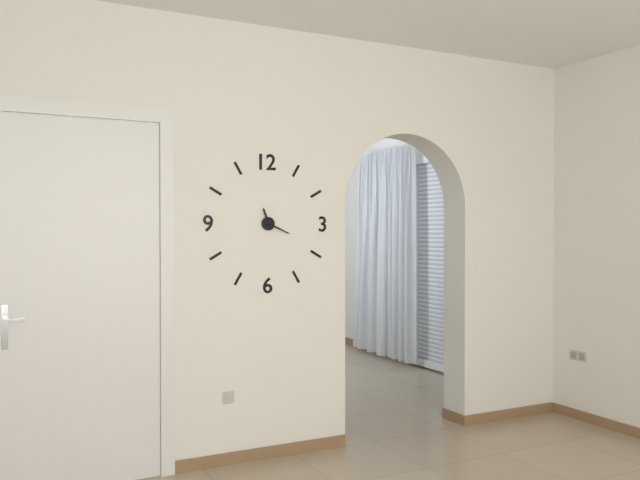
11:19
